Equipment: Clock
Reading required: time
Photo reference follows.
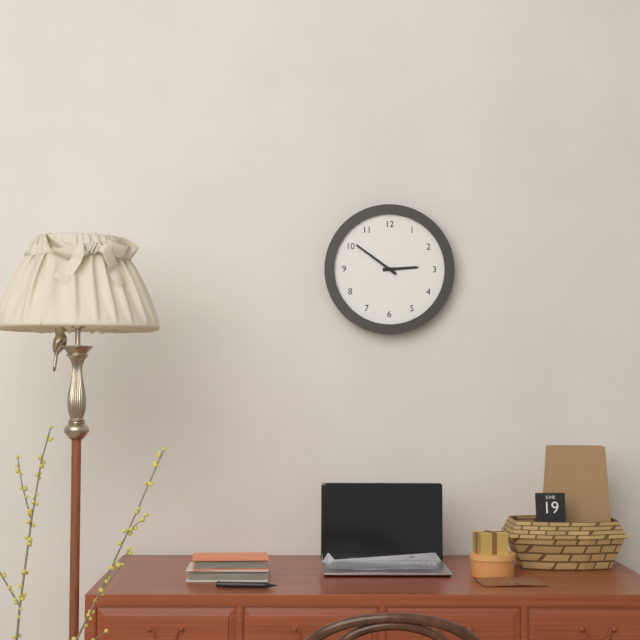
2:51
